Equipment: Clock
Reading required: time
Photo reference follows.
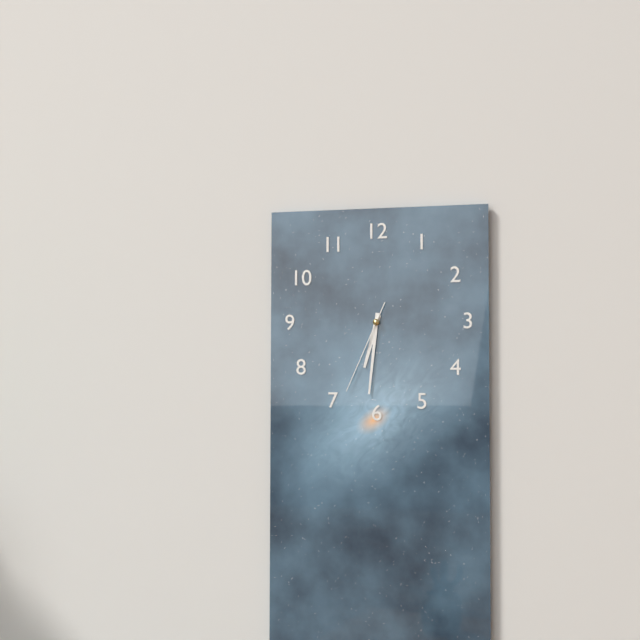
6:31:34
